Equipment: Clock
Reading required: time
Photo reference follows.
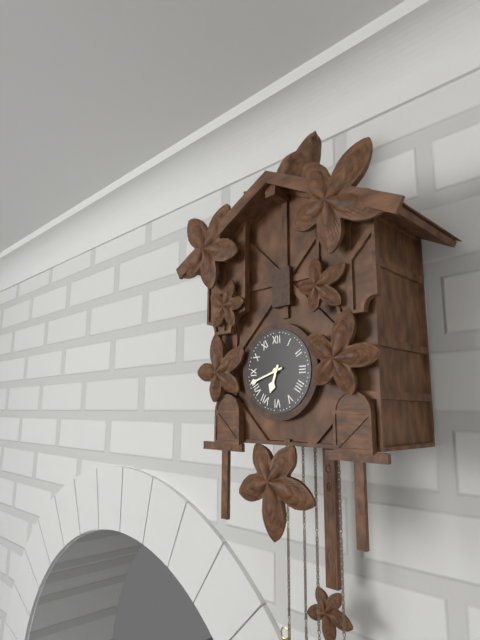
6:42
